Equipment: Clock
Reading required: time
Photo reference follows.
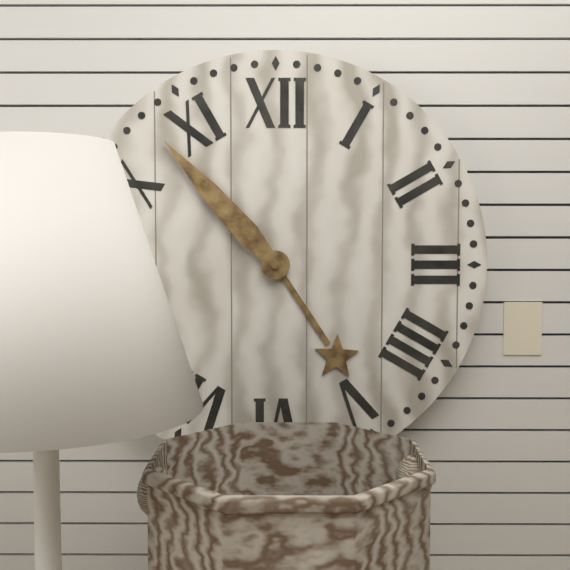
4:53
